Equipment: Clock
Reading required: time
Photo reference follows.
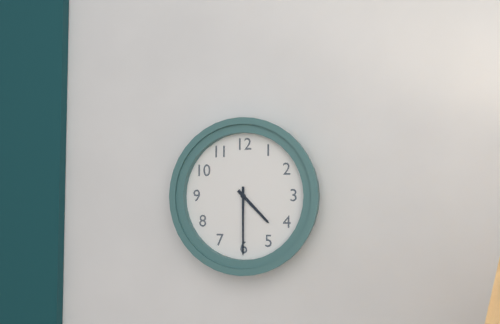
4:30
